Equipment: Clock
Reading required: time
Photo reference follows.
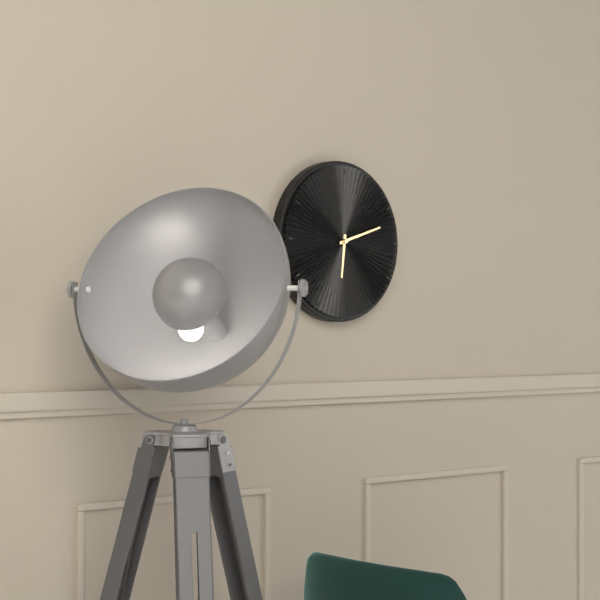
6:12
